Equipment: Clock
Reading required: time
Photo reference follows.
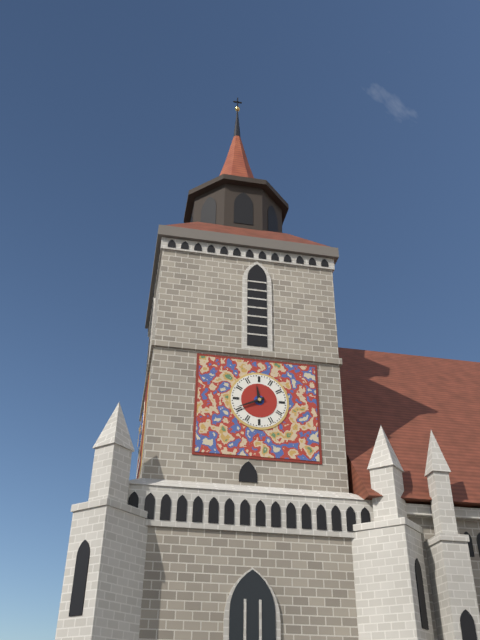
11:41
